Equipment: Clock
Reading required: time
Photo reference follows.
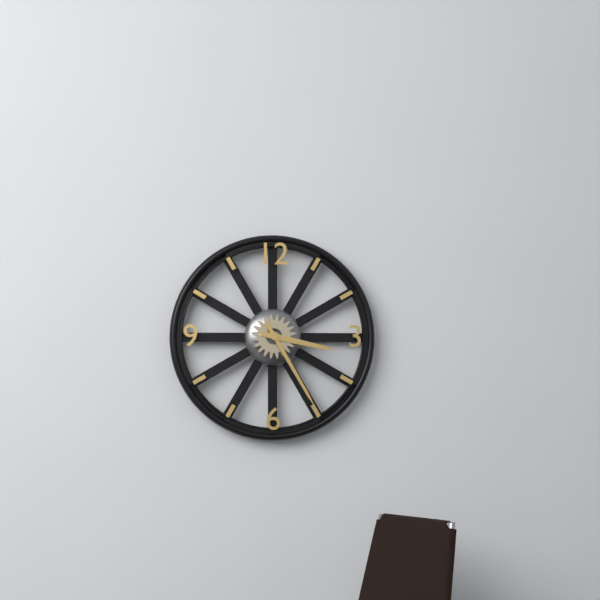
3:25
